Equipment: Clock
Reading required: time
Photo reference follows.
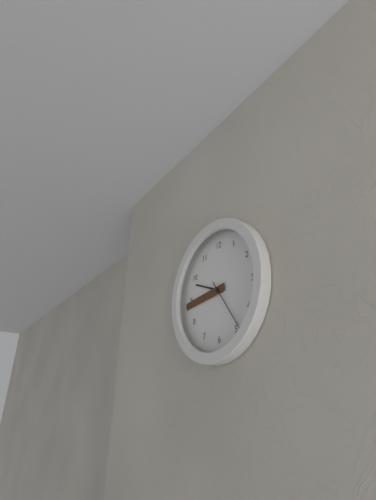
9:44:24
